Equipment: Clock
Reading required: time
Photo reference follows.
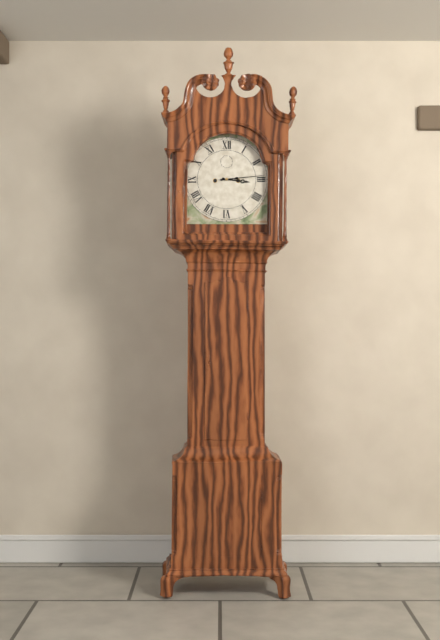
3:14
